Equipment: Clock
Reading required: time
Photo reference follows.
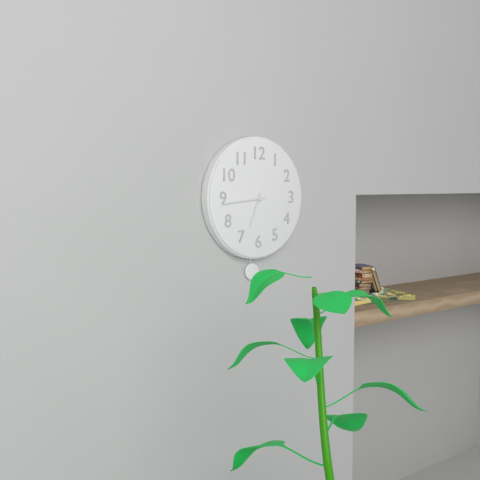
6:44
